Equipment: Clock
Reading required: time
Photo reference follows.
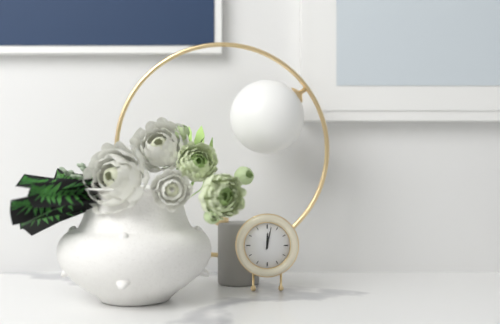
12:02
